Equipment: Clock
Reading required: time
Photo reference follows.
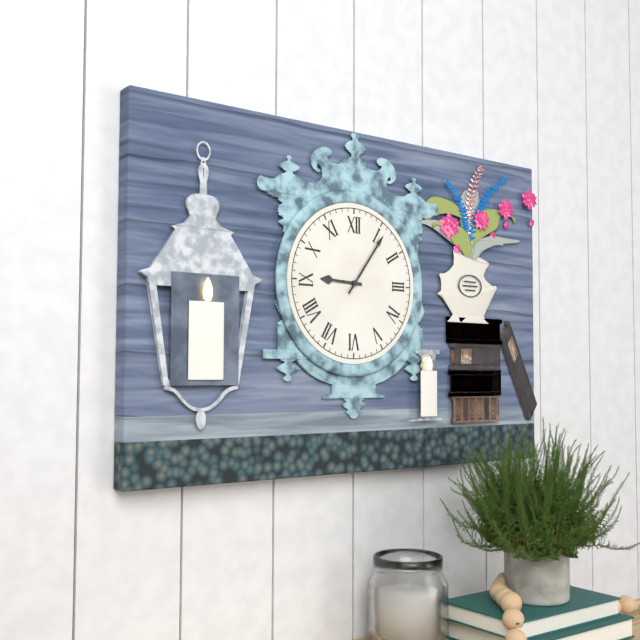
9:06
